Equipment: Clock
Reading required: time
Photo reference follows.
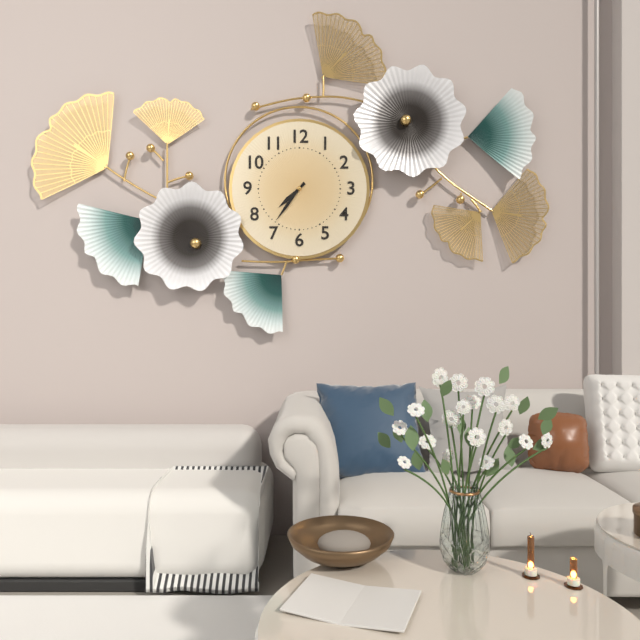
7:36
